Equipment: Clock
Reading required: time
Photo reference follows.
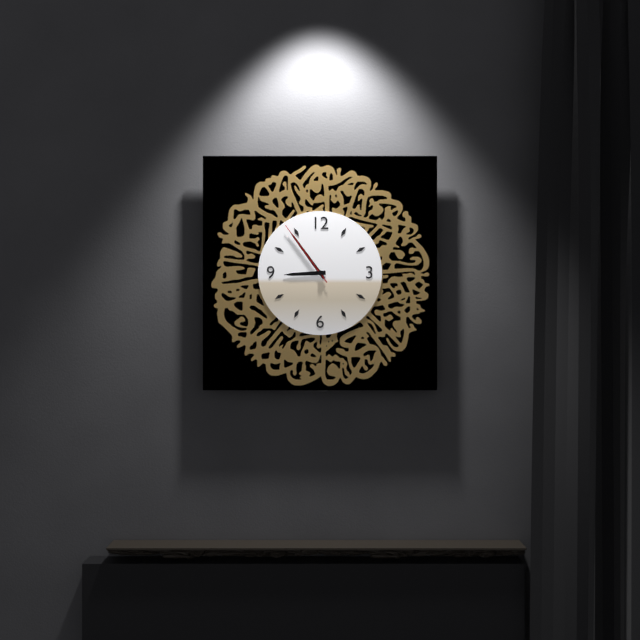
8:54:54
